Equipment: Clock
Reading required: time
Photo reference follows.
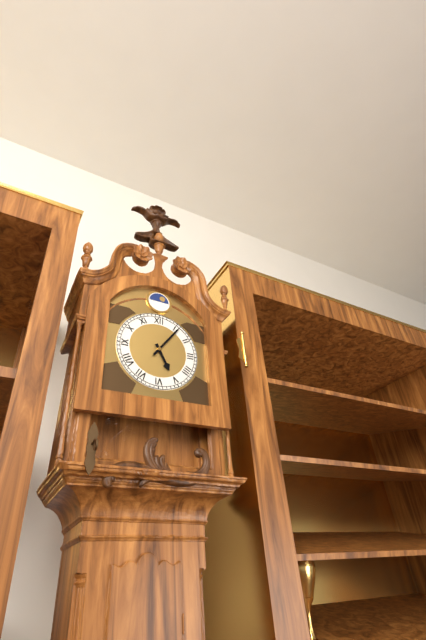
5:06
